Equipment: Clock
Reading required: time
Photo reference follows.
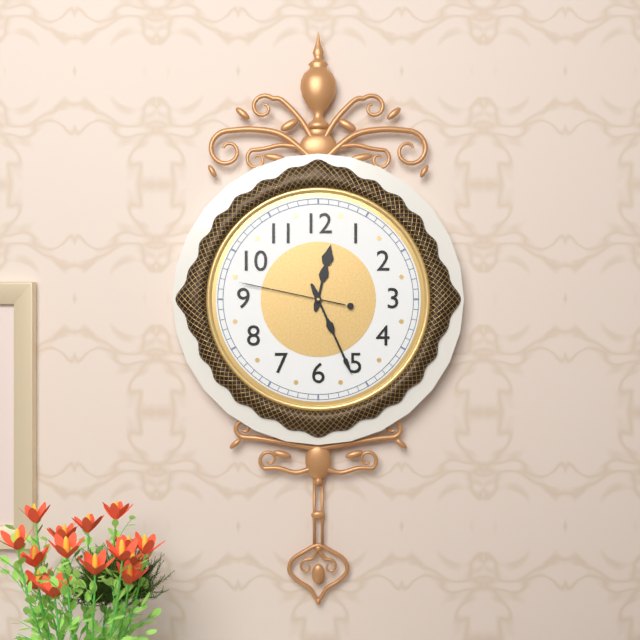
12:26:47
